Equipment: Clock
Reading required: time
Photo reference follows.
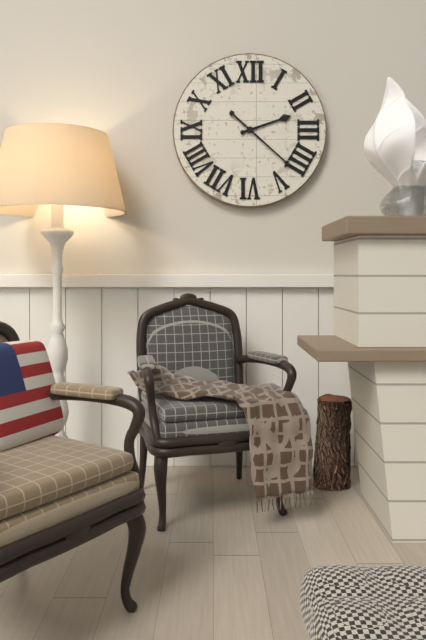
2:22
